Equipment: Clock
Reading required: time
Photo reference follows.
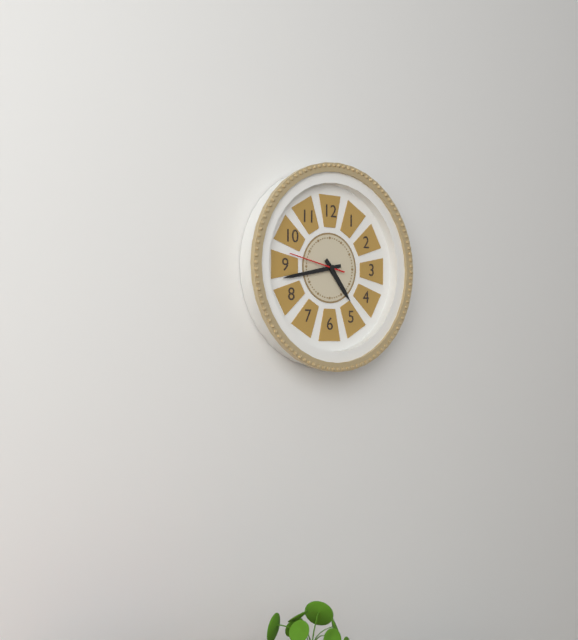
4:43:47
